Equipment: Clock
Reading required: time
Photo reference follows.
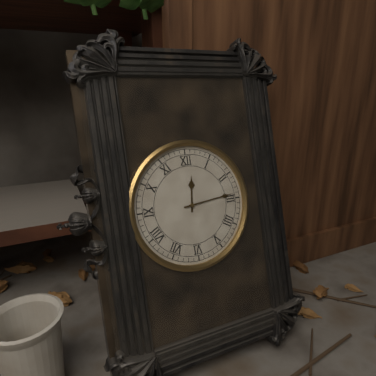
12:14
